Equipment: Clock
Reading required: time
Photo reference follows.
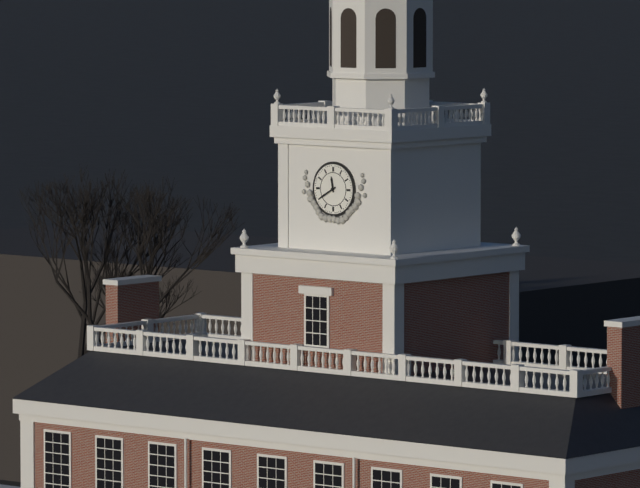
11:40
